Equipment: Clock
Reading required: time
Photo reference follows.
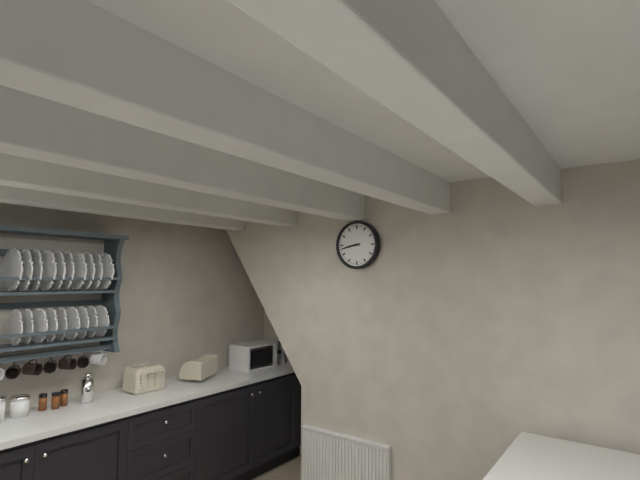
8:43
